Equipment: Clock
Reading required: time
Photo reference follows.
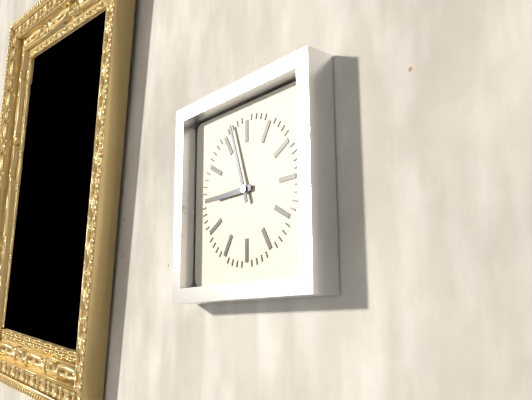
8:57
